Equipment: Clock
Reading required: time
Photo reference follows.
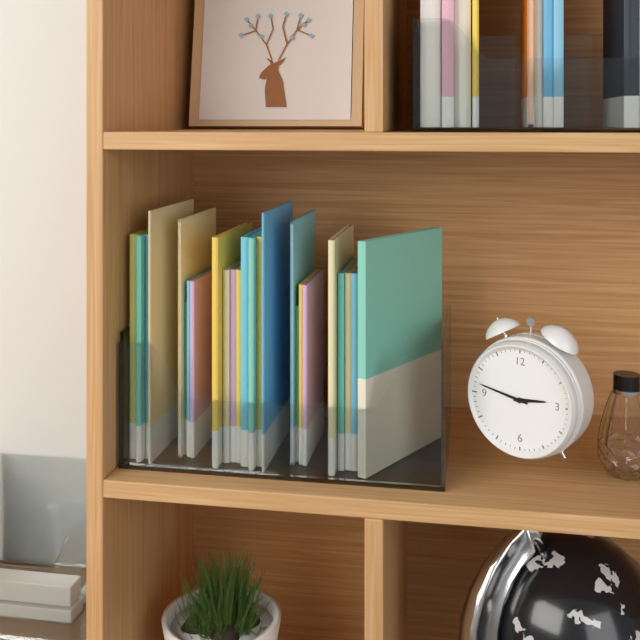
2:47
